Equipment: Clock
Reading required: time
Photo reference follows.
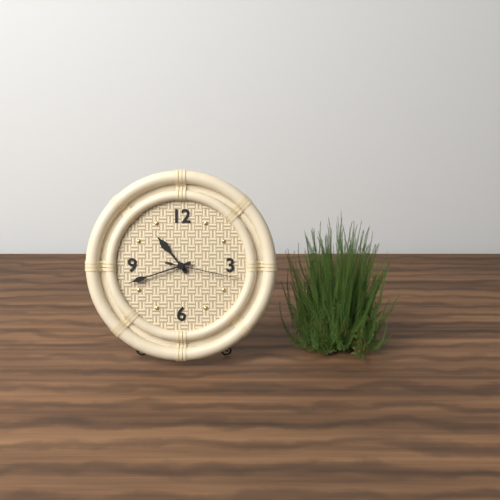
10:42:17
